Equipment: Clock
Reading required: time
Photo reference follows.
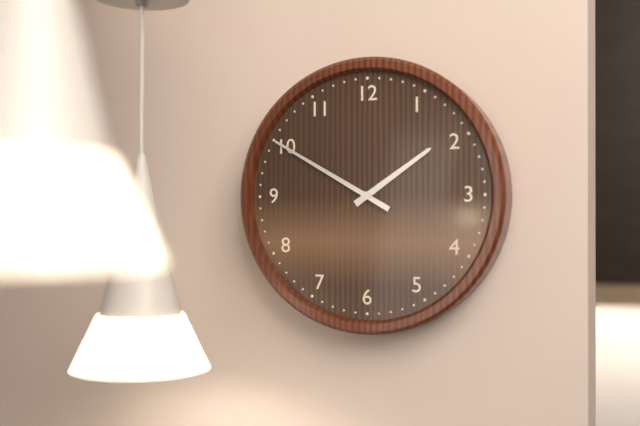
1:50
